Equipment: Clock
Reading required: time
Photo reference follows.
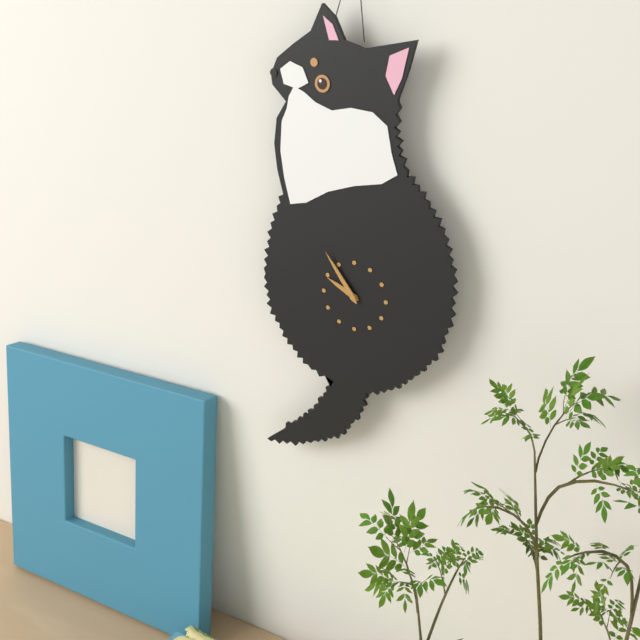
9:54
